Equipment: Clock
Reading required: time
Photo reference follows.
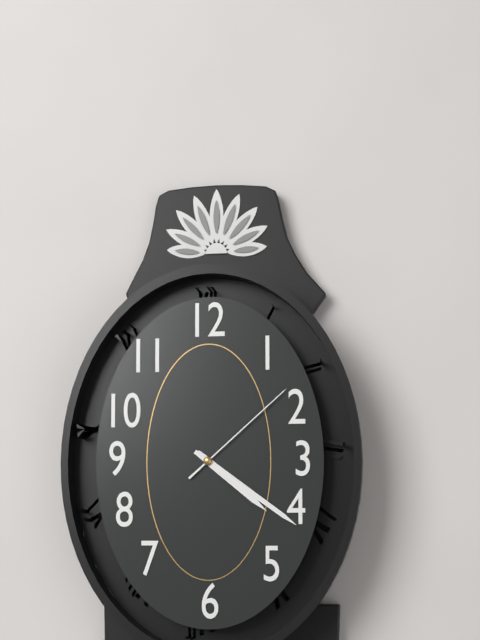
4:21:08
